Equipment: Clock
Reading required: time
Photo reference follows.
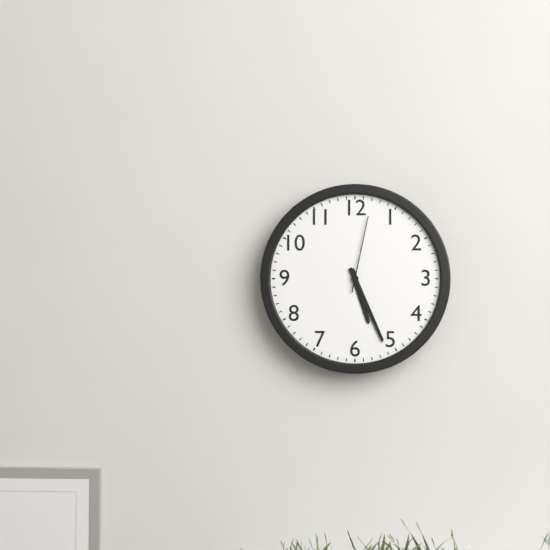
5:26:02
